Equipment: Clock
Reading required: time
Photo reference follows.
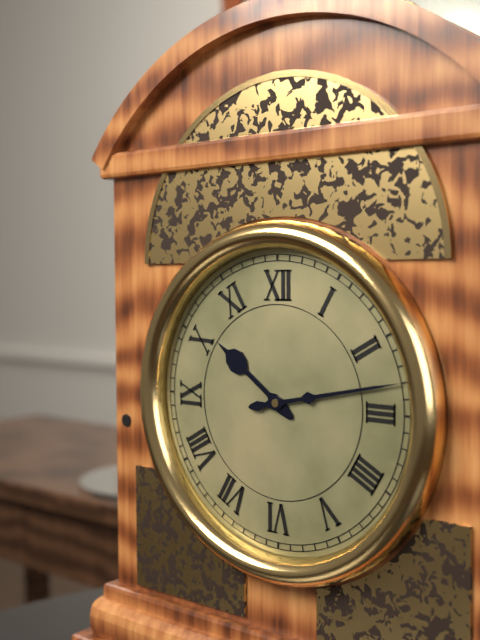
10:13
